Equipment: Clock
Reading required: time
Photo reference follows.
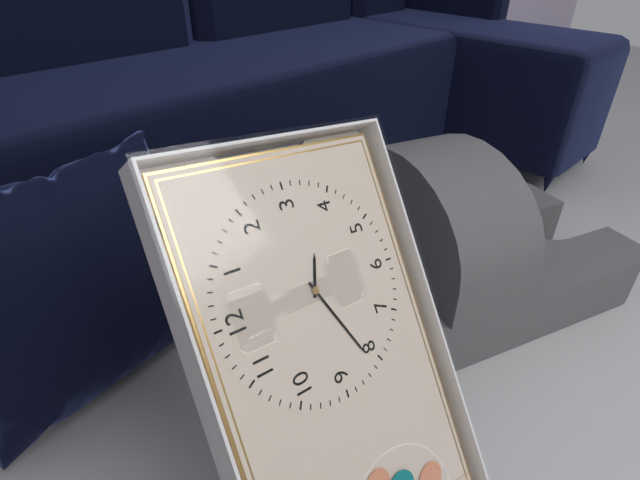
3:41
